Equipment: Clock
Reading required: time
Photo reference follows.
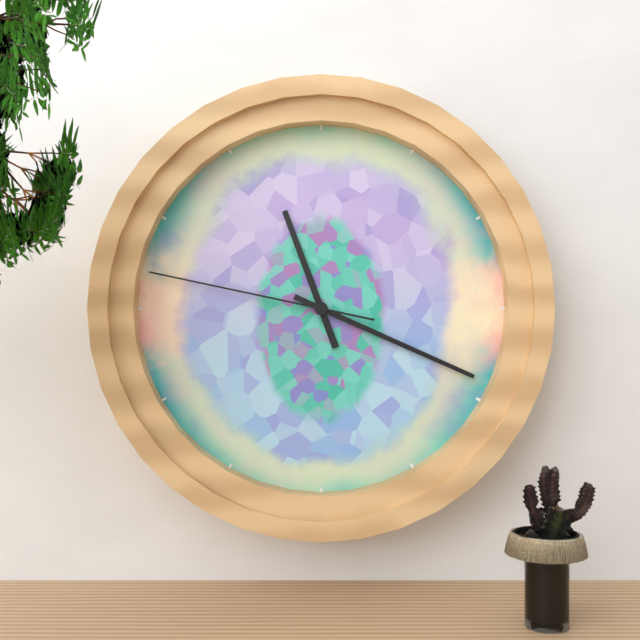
11:19:47
